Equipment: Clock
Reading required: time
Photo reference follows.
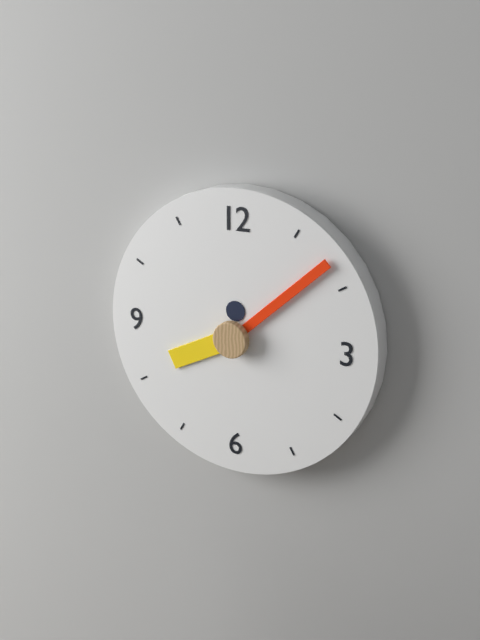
8:08
